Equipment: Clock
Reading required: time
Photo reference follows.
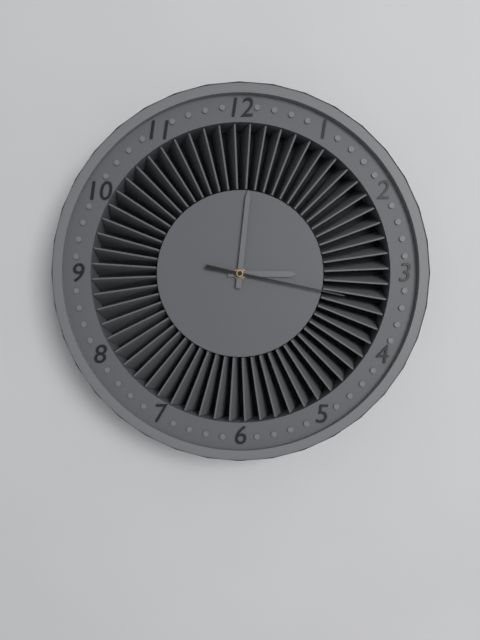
3:01:17
